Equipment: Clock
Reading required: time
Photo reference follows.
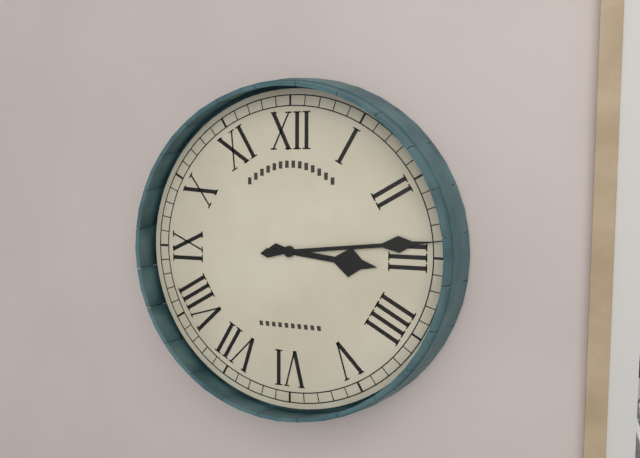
3:14
